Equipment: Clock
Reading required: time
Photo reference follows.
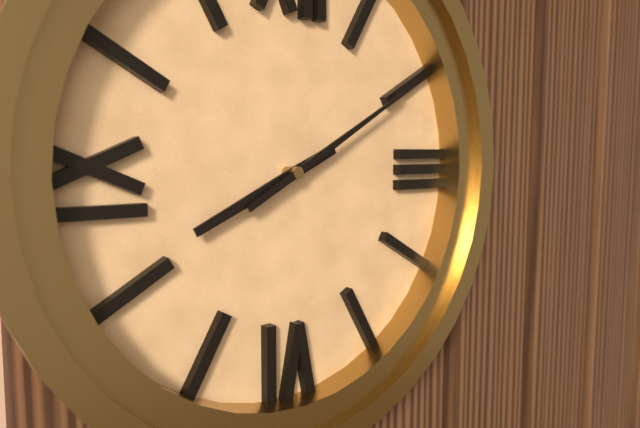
8:10
